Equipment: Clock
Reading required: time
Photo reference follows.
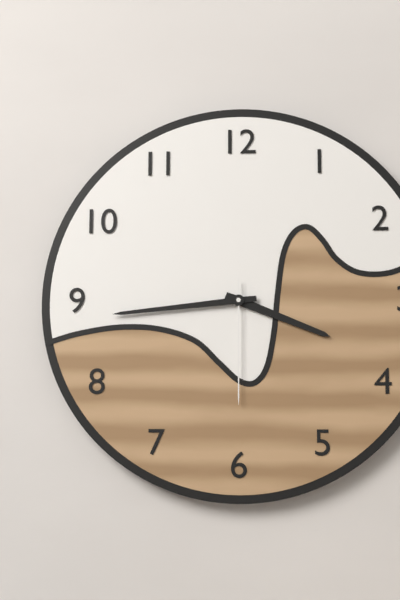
3:44:30
